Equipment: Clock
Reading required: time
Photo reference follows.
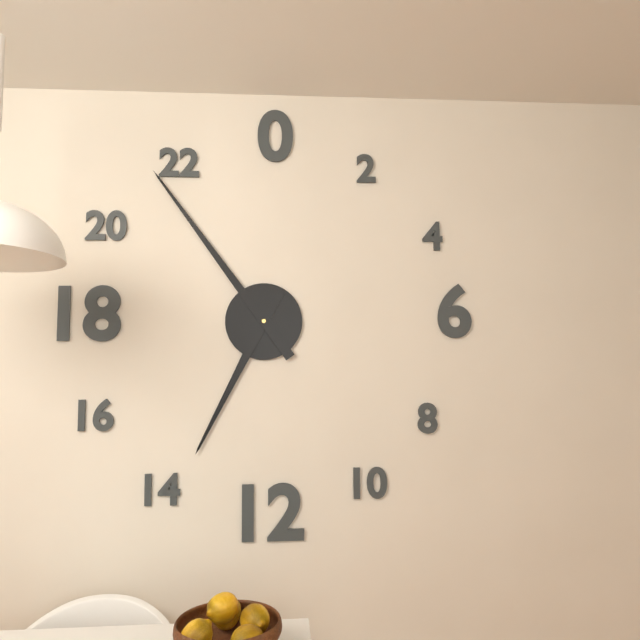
6:54
